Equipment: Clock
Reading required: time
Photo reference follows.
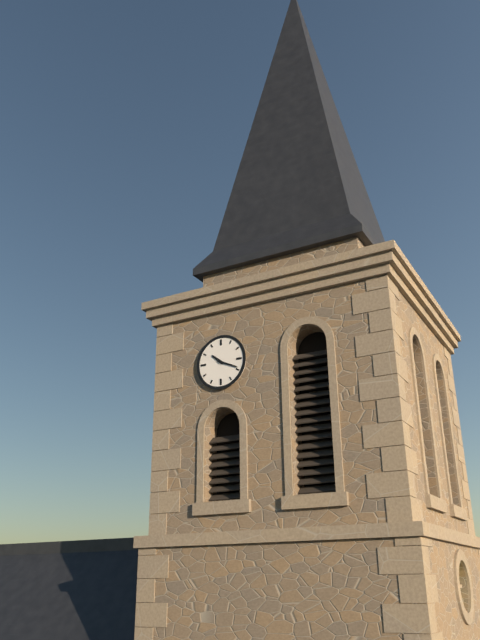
10:19
